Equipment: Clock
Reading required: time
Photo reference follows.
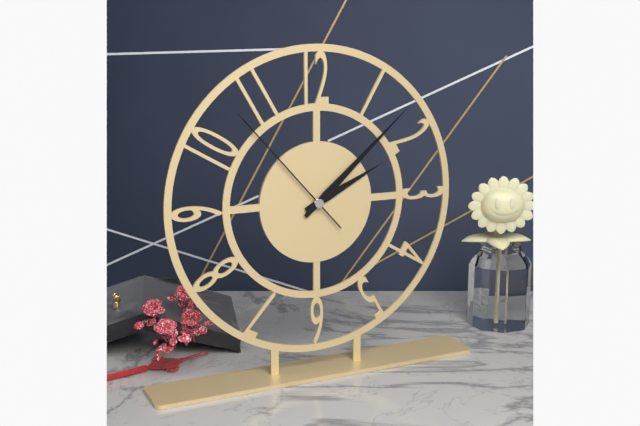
2:08:53
